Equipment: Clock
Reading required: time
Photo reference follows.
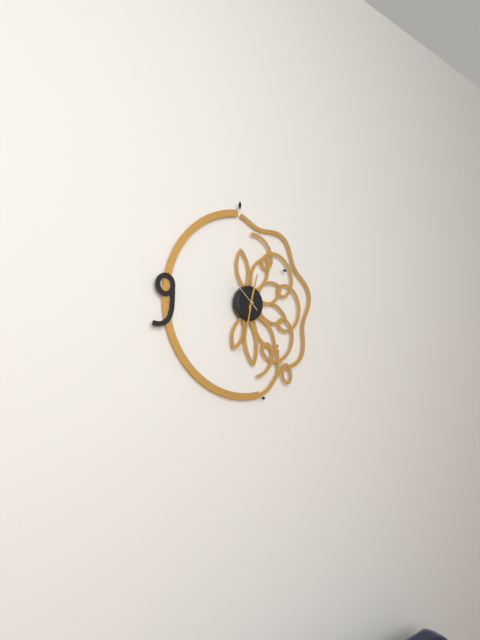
12:32
